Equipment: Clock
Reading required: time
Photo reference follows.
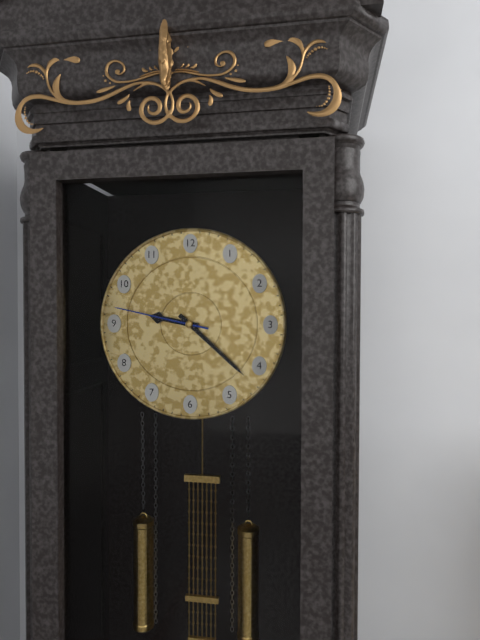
9:22:47
